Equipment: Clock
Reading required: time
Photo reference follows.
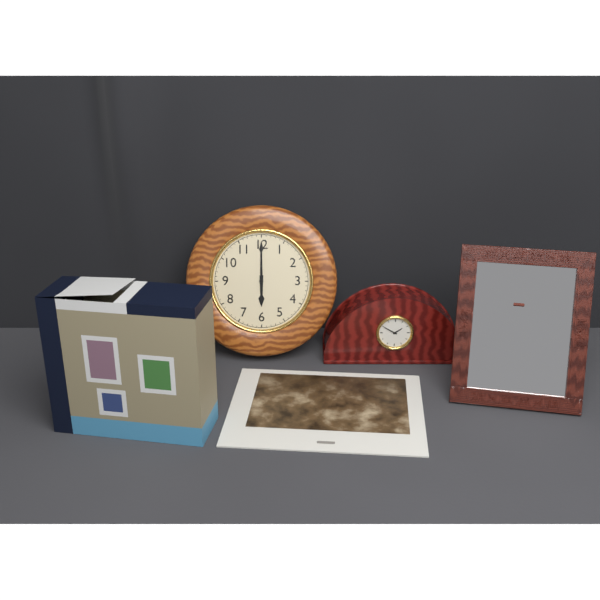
6:00
